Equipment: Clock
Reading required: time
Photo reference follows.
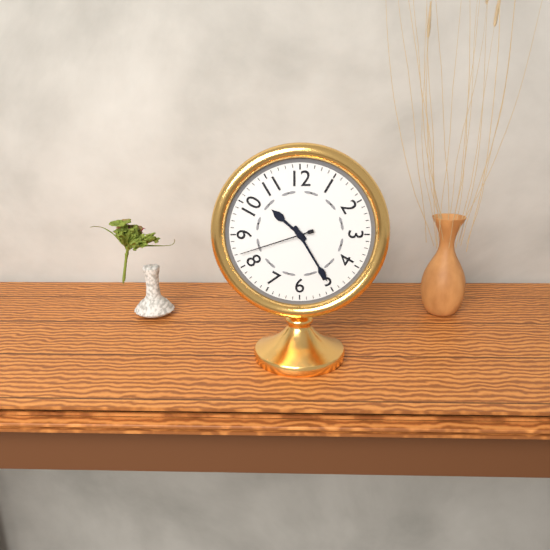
10:25:42
